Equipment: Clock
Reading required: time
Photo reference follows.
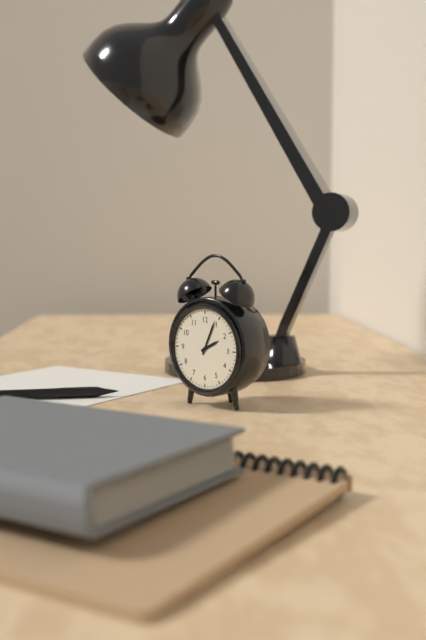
2:04
